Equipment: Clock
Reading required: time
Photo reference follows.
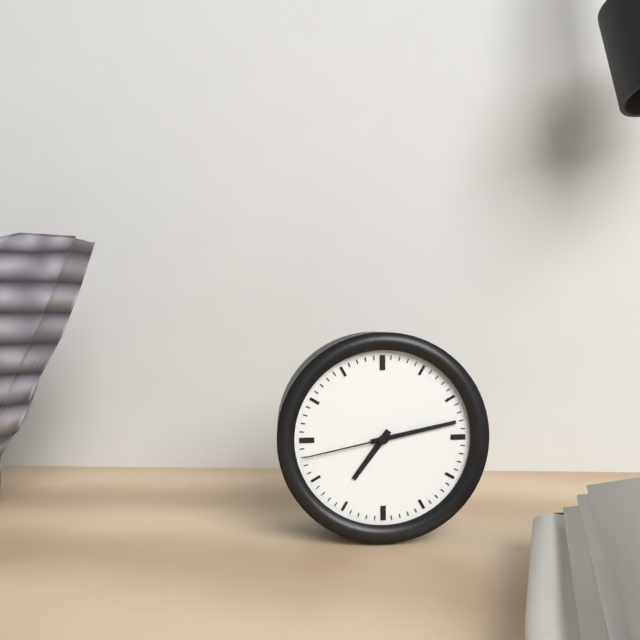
7:13:43
